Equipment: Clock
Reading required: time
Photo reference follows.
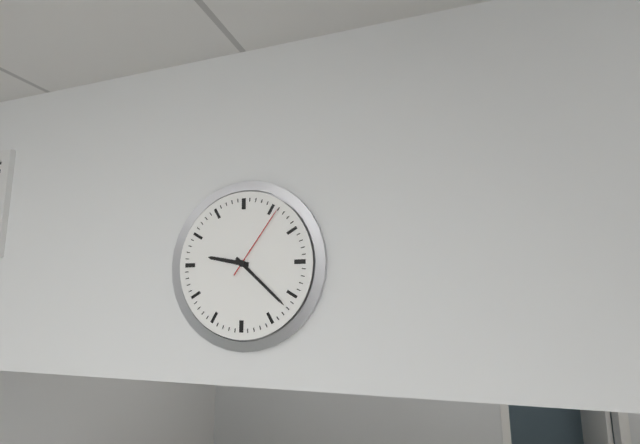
9:22:06
